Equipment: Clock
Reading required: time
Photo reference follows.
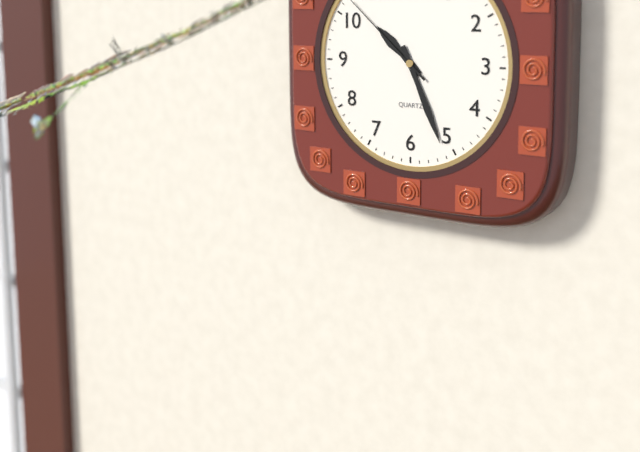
10:26:52
